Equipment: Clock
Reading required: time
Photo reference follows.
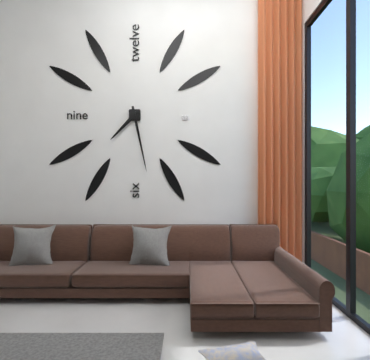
7:28
